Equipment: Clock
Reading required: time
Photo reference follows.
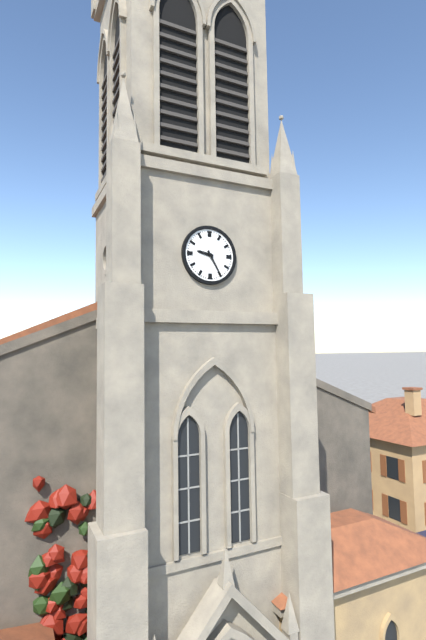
9:25
